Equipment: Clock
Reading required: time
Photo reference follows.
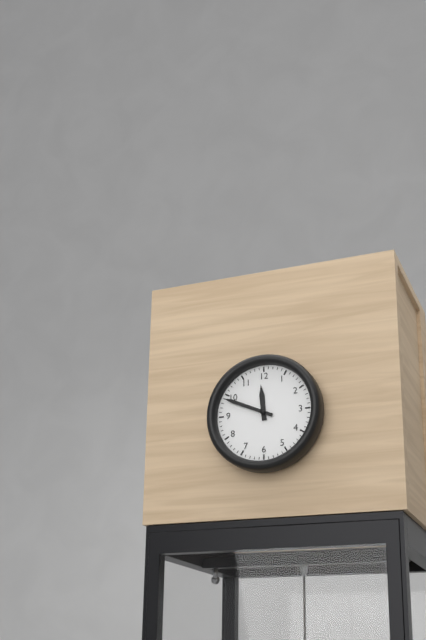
11:49
